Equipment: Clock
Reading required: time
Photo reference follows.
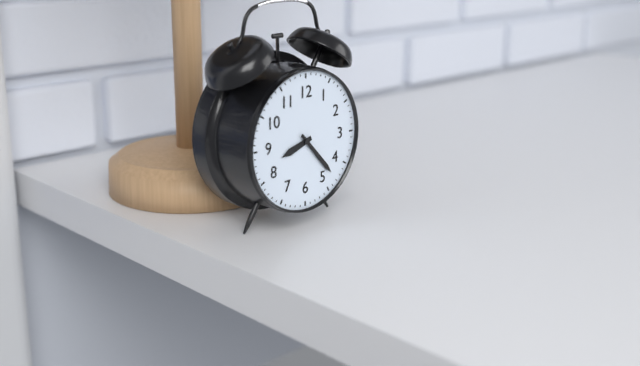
8:23
